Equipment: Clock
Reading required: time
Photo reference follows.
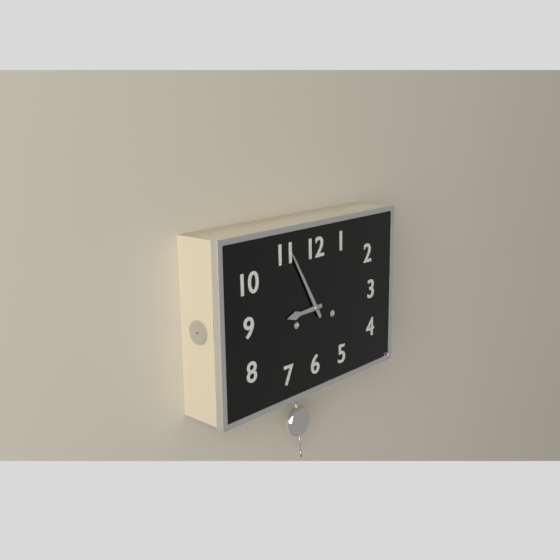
8:55
